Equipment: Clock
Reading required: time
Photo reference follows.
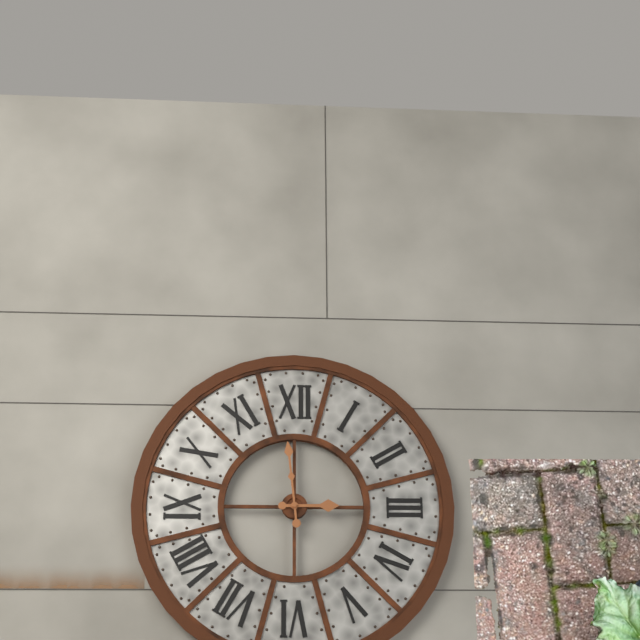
2:59
